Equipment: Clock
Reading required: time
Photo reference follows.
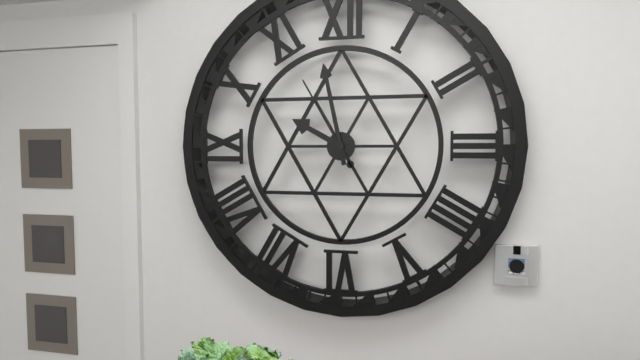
9:58:55
